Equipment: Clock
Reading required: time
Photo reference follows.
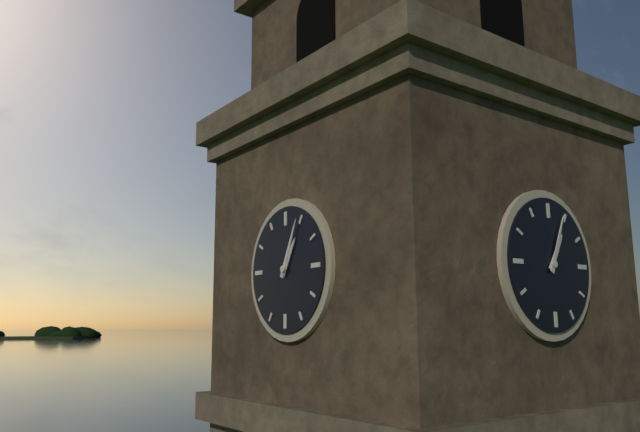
1:04
